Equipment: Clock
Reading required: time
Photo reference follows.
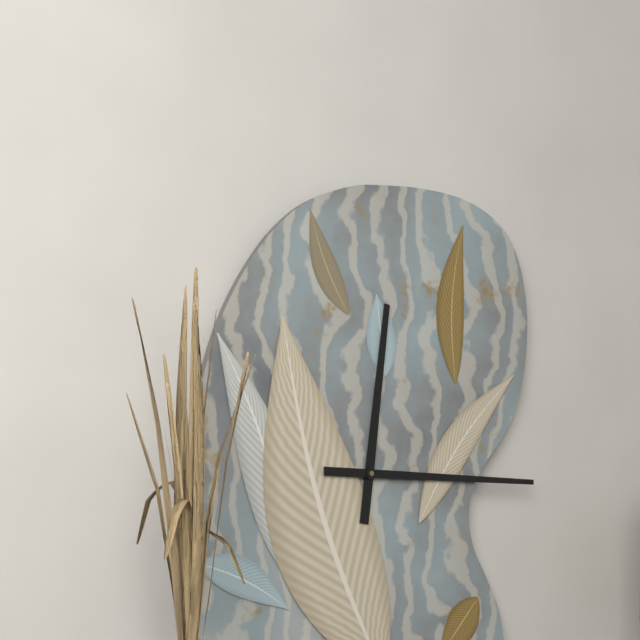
12:15
